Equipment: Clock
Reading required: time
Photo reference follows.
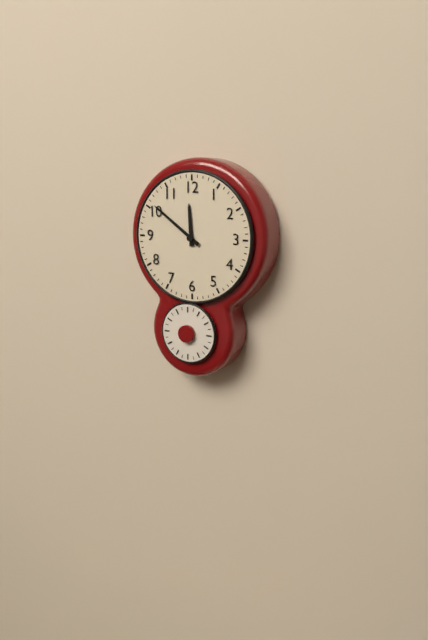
11:51
